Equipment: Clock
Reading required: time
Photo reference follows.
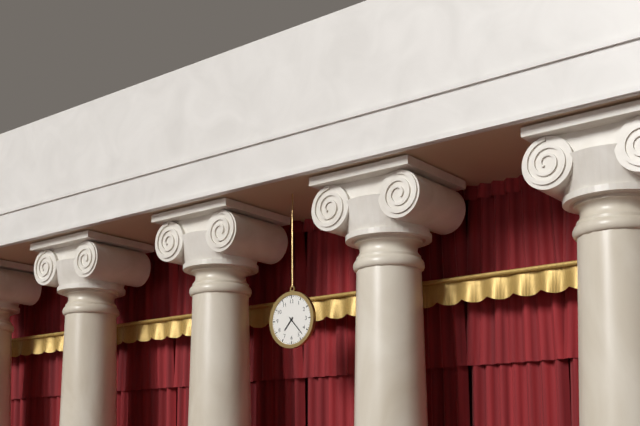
7:23
